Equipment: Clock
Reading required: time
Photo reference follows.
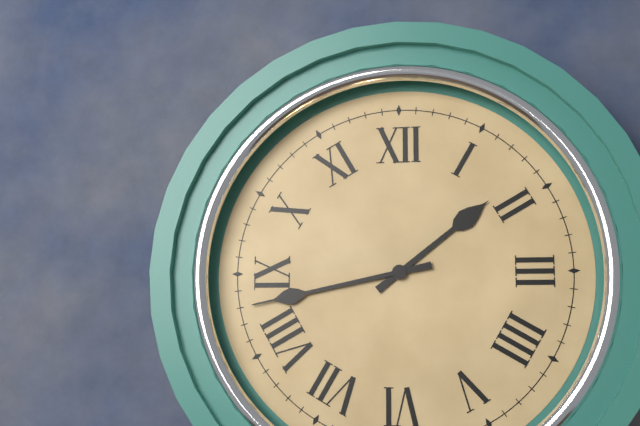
1:43
